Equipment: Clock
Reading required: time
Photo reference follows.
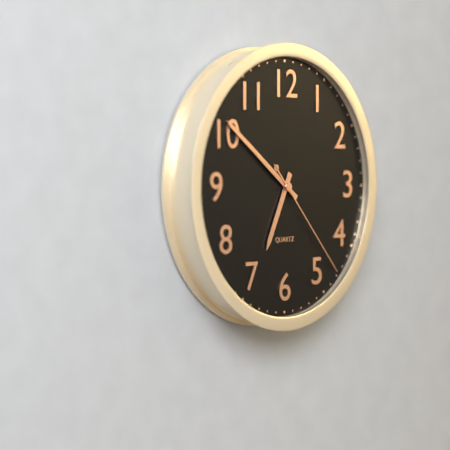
6:51:23
